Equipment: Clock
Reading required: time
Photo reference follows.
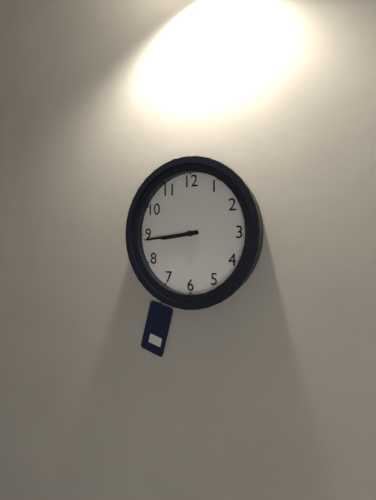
8:44
